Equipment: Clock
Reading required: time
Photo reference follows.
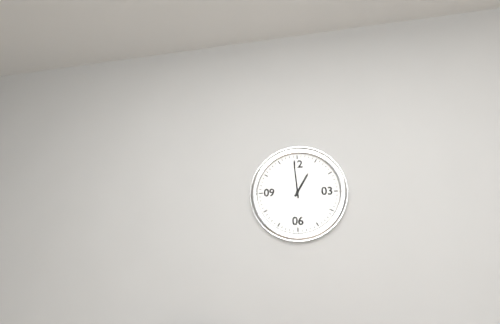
12:59
